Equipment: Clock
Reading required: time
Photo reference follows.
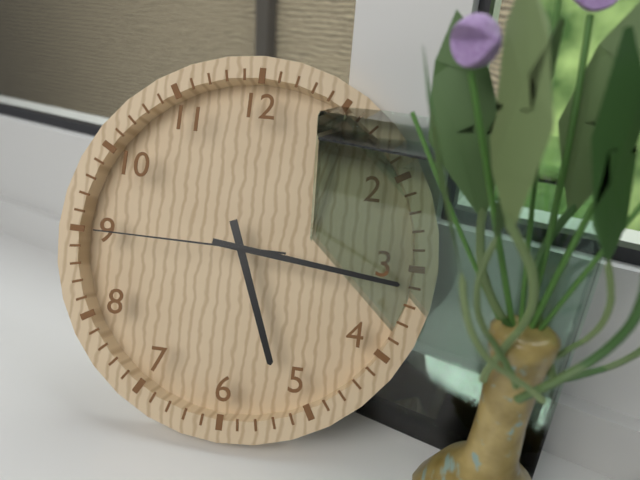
5:16:45
